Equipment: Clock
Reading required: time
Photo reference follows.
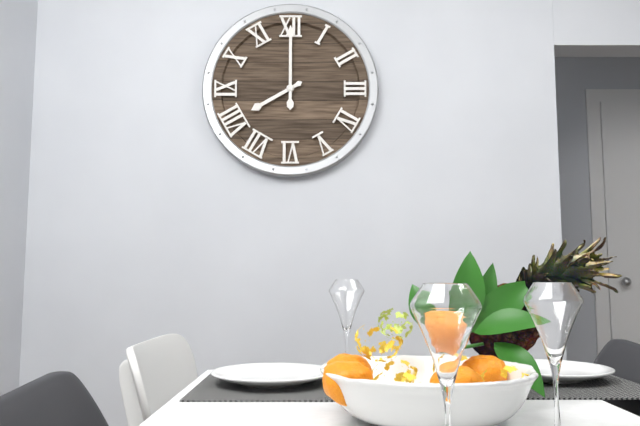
8:00
